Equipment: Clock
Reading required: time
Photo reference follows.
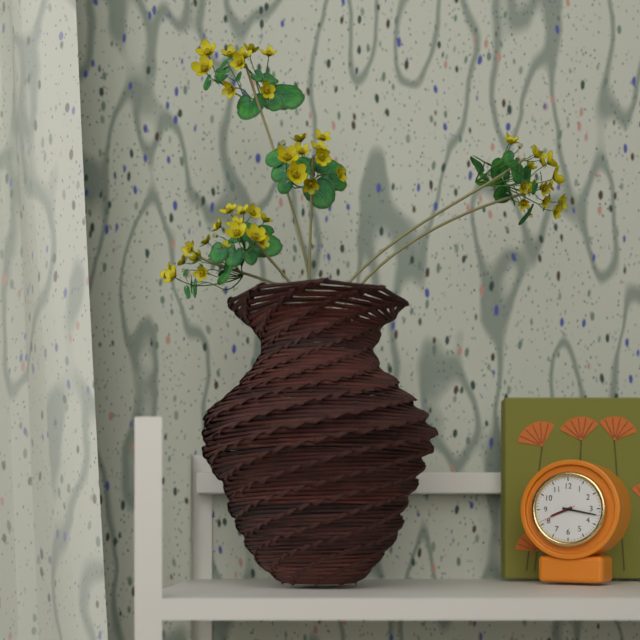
8:17
